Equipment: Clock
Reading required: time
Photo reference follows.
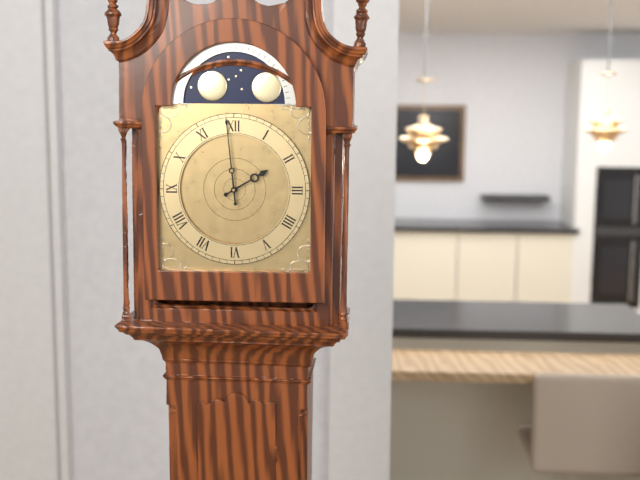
1:59
